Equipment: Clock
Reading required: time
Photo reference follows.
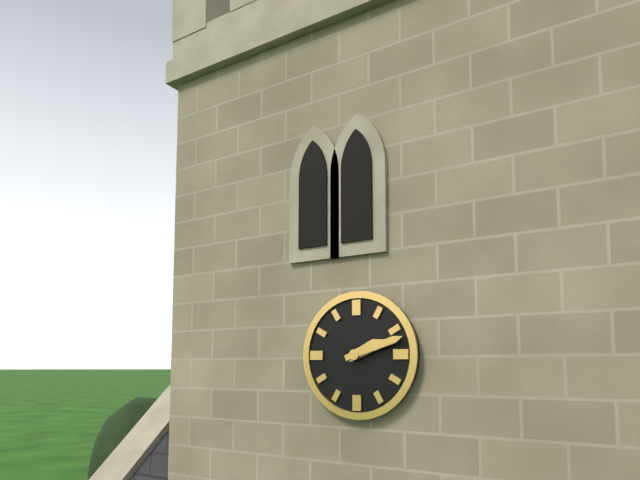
2:12
